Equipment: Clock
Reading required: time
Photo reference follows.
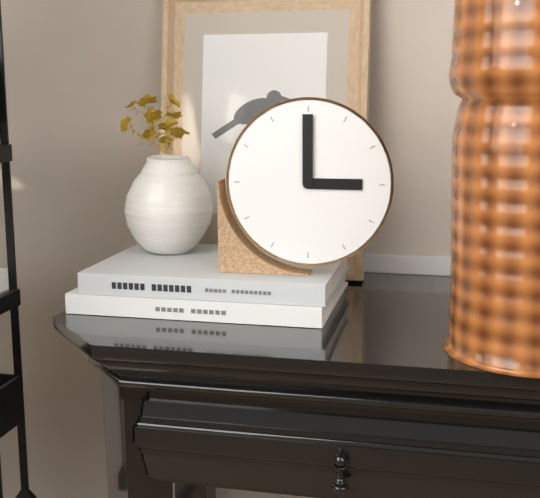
3:00
